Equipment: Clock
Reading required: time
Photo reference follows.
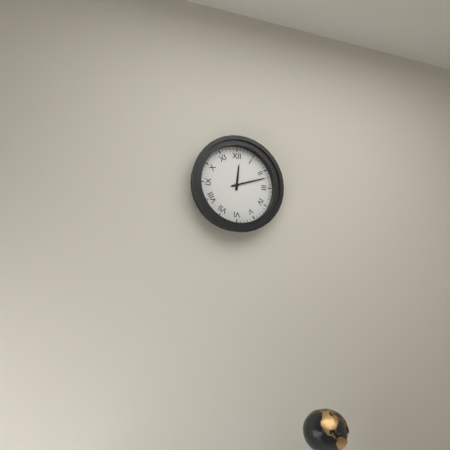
12:12
